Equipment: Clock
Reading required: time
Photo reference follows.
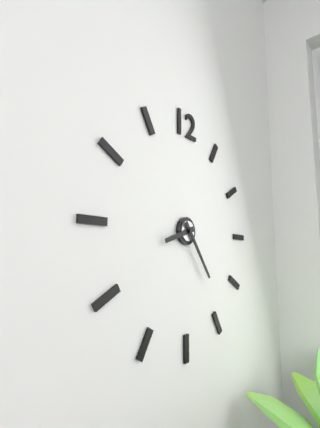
8:24
